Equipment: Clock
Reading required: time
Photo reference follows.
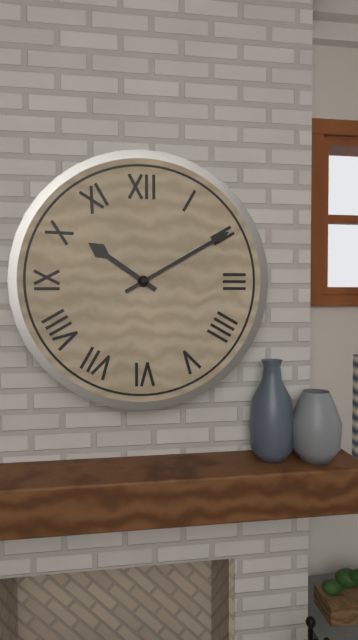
10:10
